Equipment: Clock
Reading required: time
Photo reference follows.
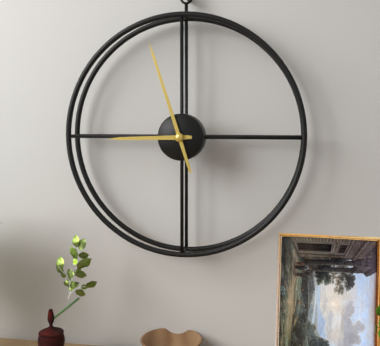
8:57
